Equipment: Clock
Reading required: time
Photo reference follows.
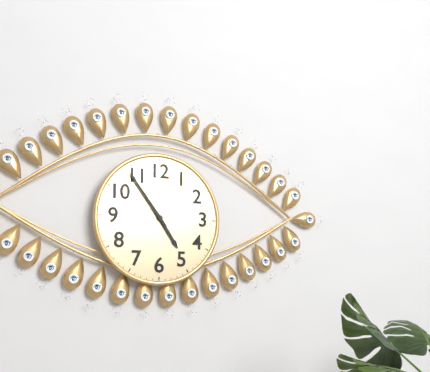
4:54
